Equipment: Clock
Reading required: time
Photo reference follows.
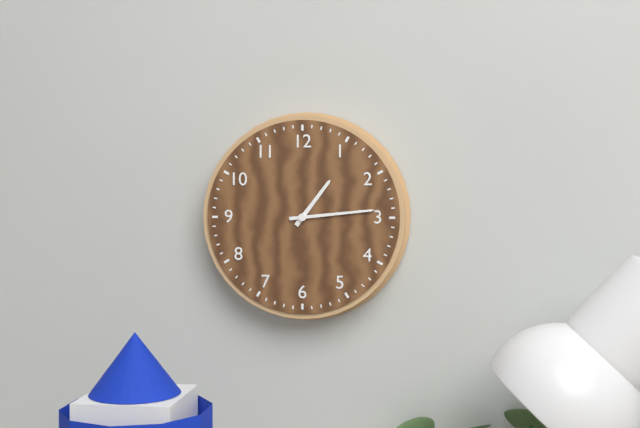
1:14
